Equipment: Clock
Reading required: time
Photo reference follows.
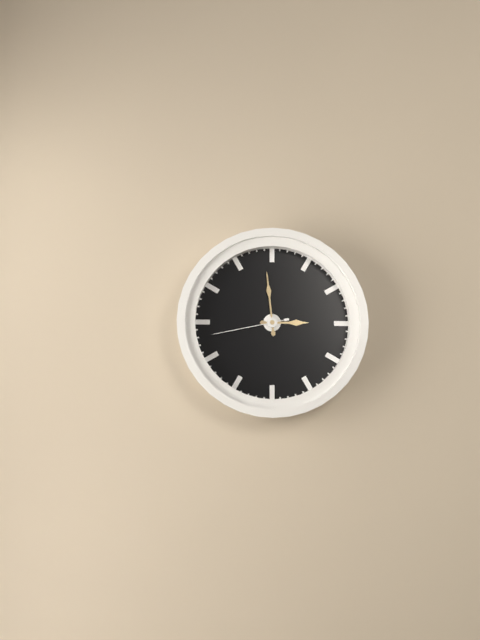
2:59:43
